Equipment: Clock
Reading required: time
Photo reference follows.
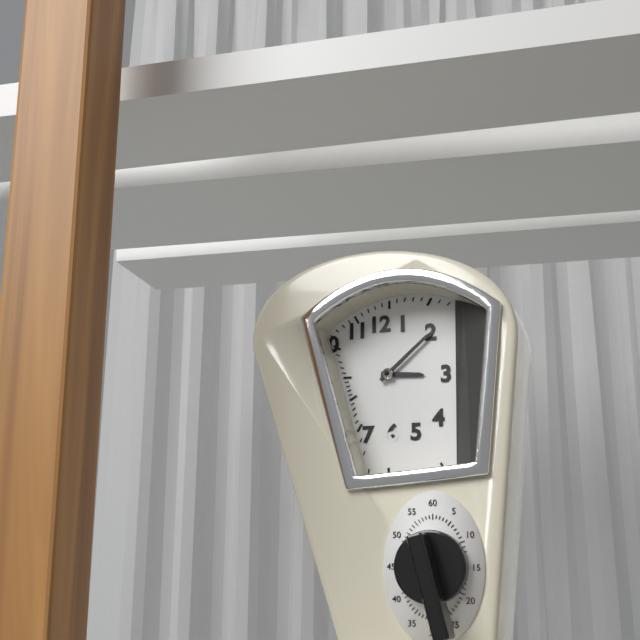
3:08
